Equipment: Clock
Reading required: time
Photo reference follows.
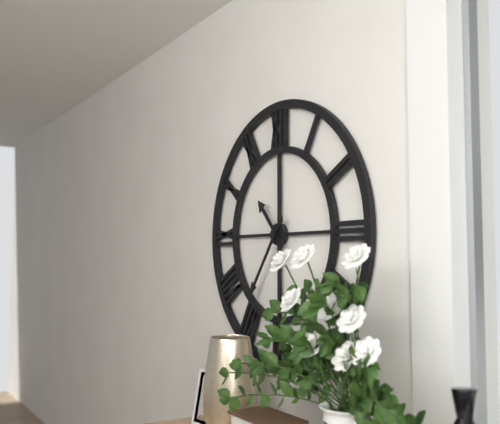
10:36
